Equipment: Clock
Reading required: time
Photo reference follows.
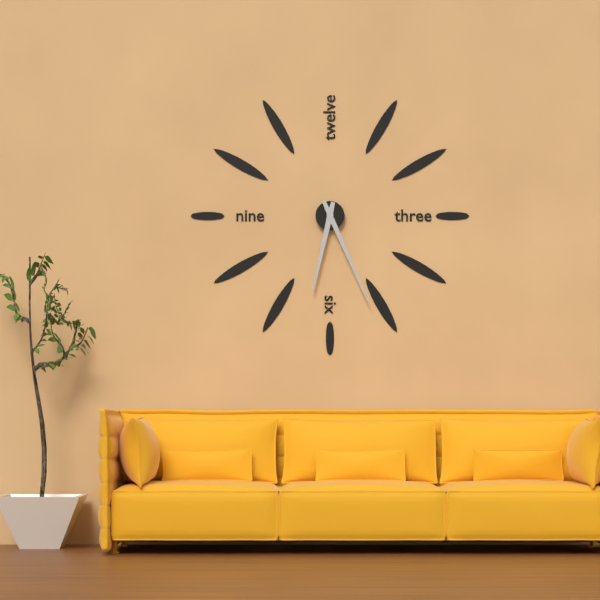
6:26
